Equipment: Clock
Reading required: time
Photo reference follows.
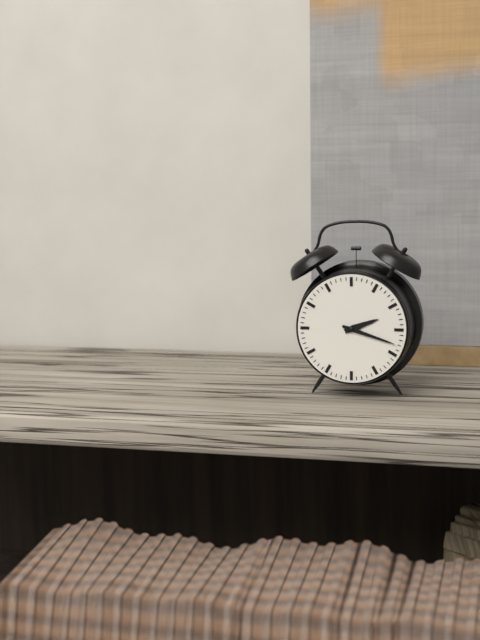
2:18
